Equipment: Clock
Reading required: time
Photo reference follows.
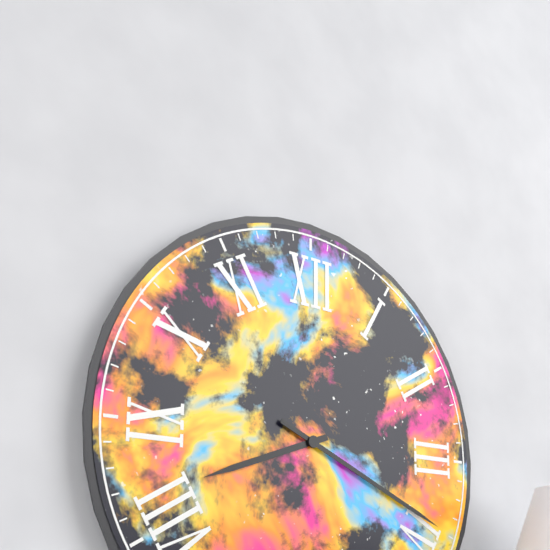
8:19
